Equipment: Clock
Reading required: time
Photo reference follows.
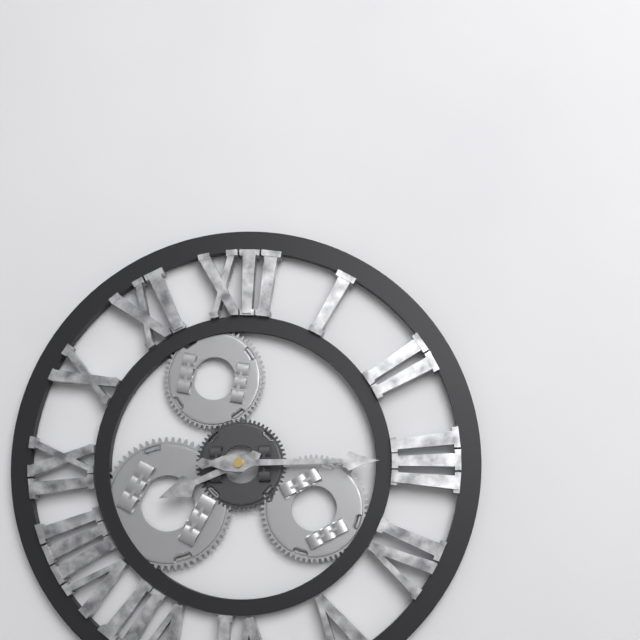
8:15
